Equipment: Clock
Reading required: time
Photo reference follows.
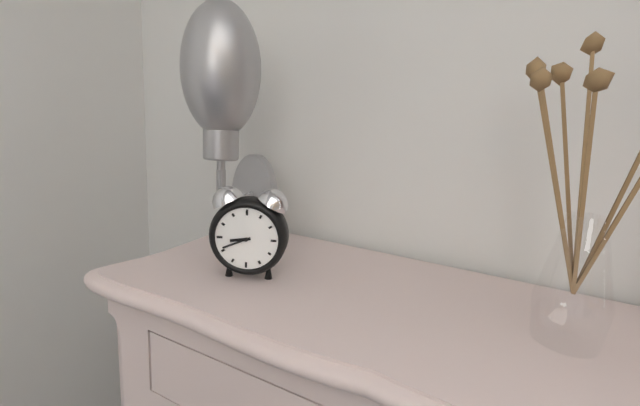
8:41
